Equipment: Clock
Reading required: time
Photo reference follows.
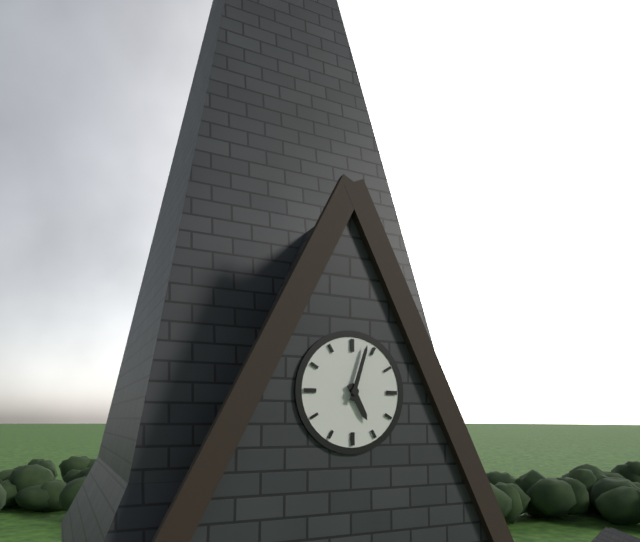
5:03
